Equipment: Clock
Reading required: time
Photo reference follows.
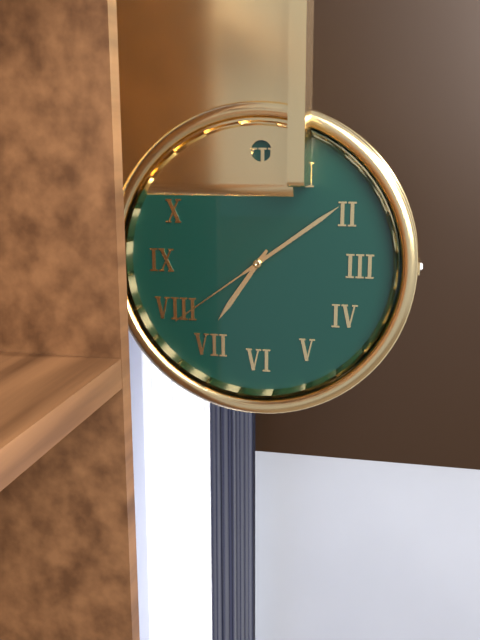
7:09:39
